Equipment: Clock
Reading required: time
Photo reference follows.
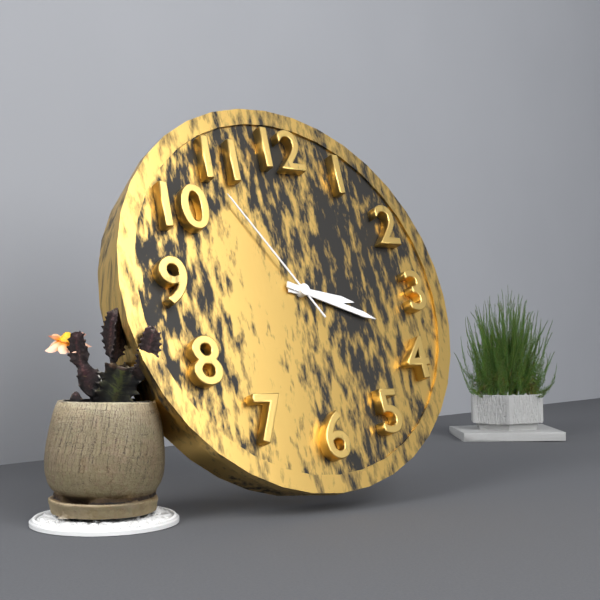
3:18:54
